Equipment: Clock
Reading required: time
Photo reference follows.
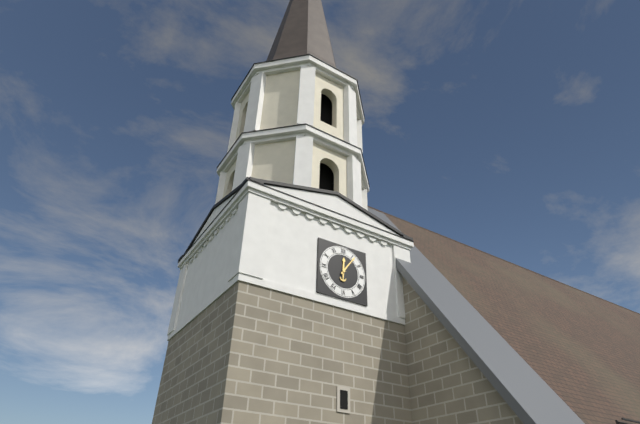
12:06
